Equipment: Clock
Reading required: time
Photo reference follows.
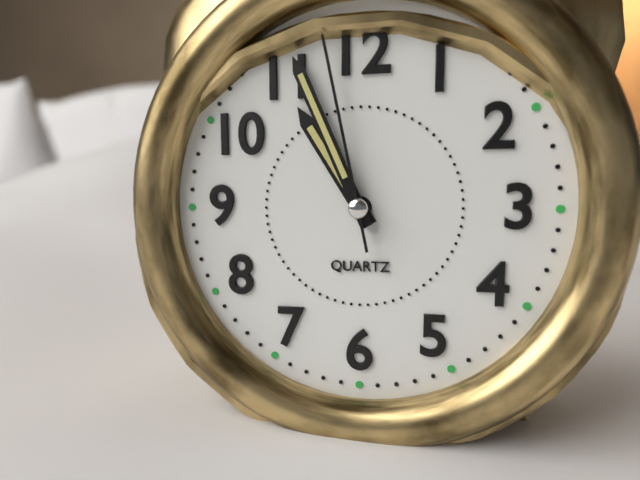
10:56:58
